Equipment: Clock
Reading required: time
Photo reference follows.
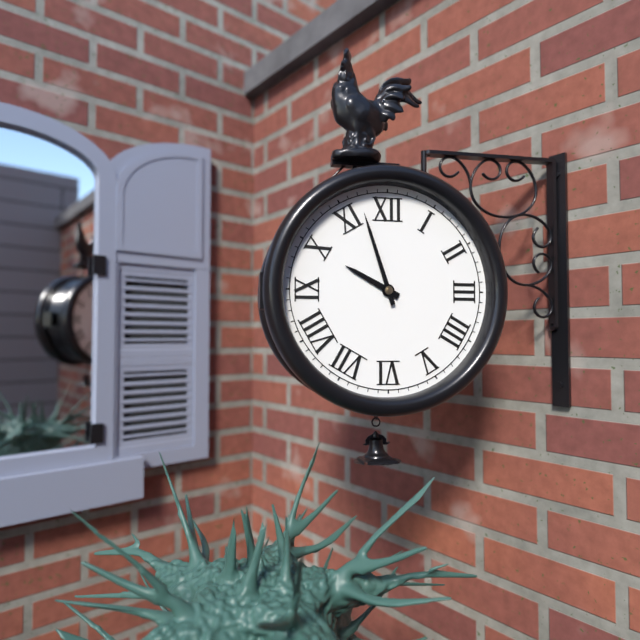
9:57
